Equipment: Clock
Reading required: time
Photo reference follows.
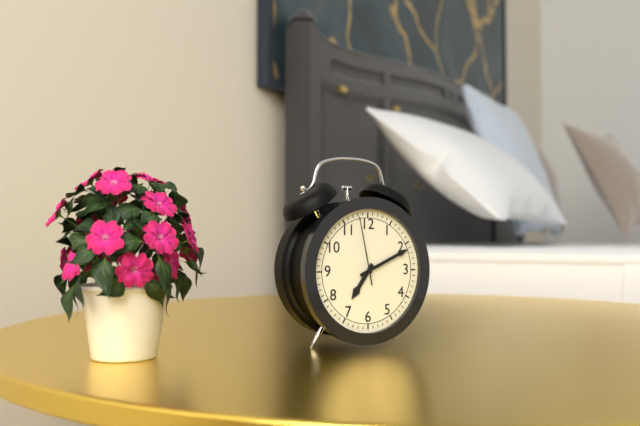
7:11:58
